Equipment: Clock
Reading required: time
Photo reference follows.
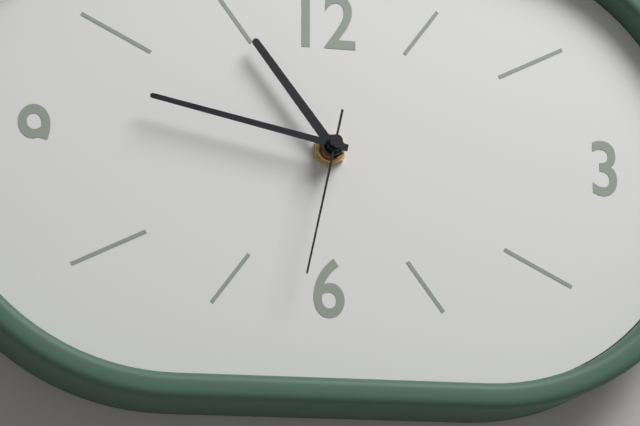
10:47:32
